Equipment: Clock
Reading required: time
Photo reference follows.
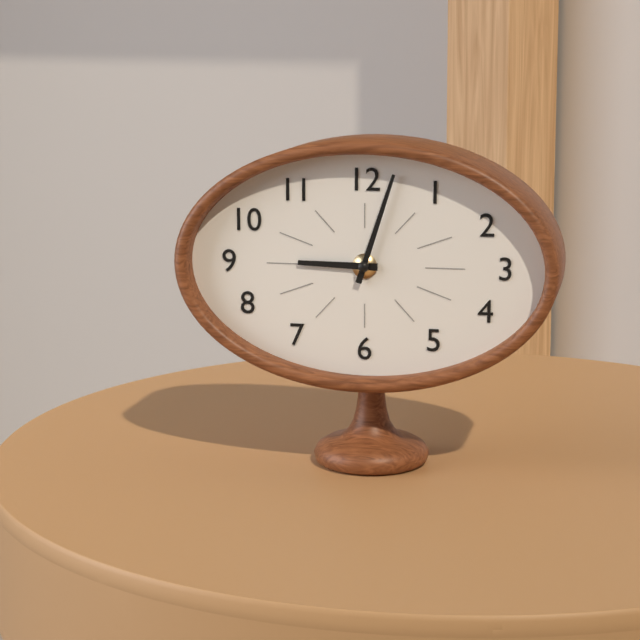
9:03
